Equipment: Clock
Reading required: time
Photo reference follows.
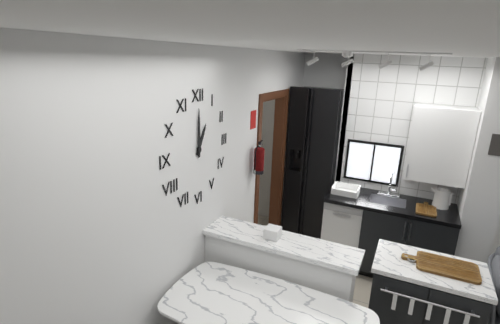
1:00
